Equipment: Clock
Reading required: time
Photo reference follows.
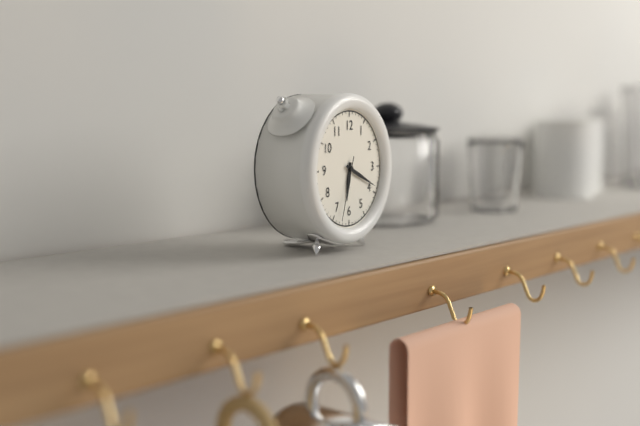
6:19:33
